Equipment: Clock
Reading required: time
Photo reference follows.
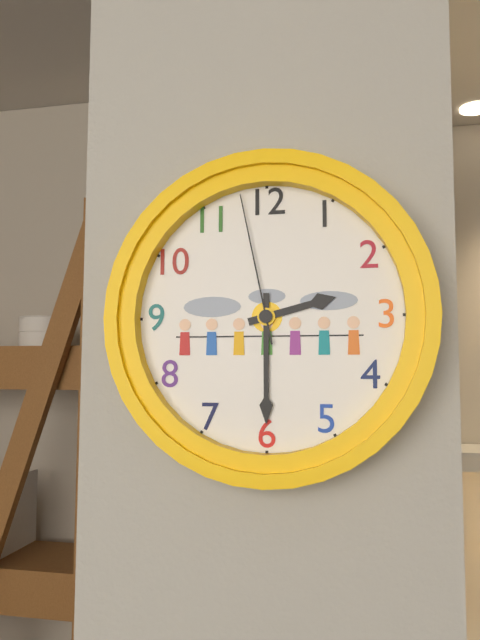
2:30:58
